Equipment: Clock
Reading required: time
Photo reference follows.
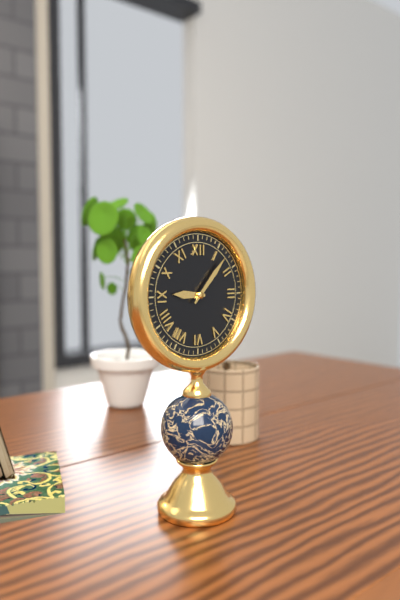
9:07
